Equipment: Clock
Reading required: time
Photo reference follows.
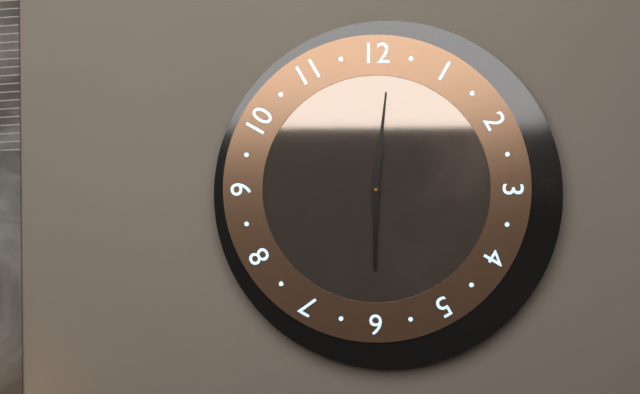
6:01
